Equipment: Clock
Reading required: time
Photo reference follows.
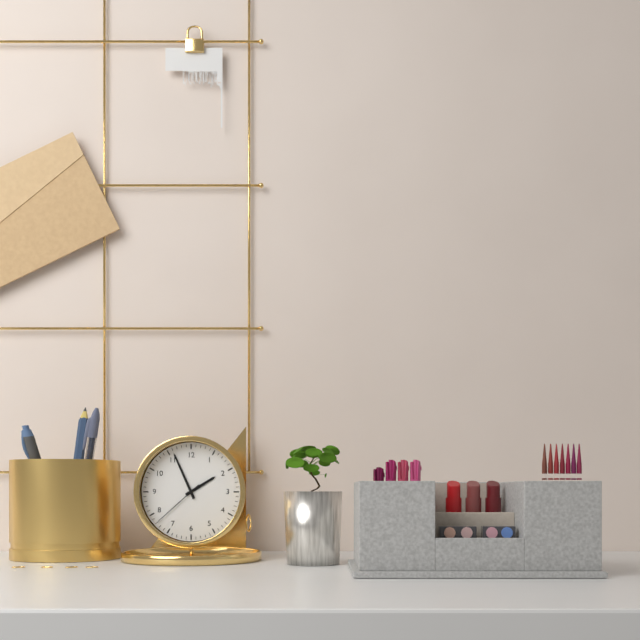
1:56:38
